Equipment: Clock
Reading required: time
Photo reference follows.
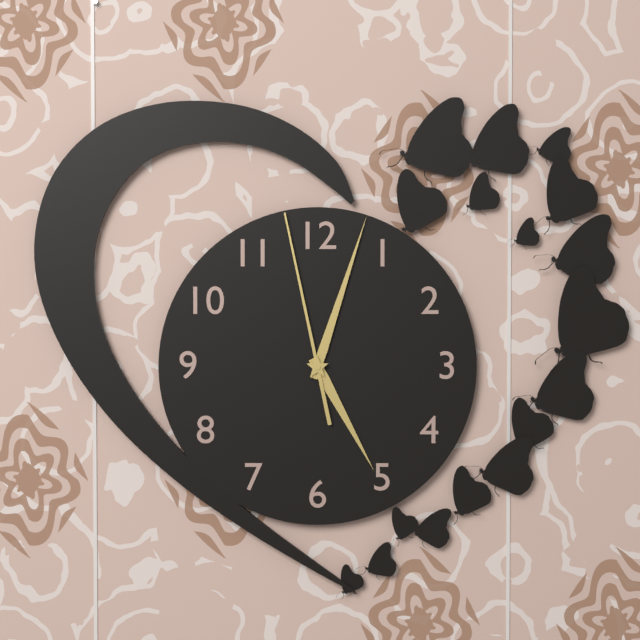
5:03:58
